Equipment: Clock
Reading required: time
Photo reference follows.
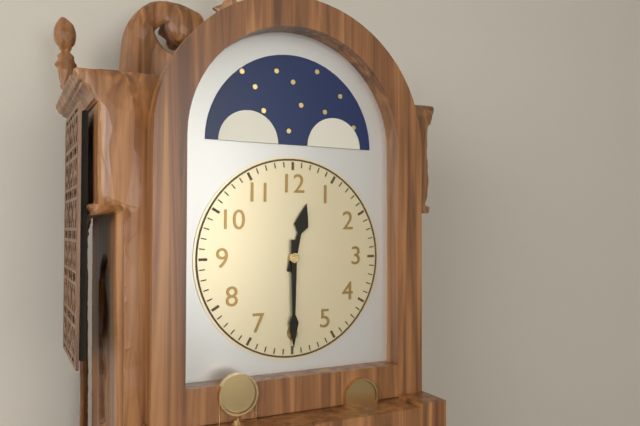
12:30
